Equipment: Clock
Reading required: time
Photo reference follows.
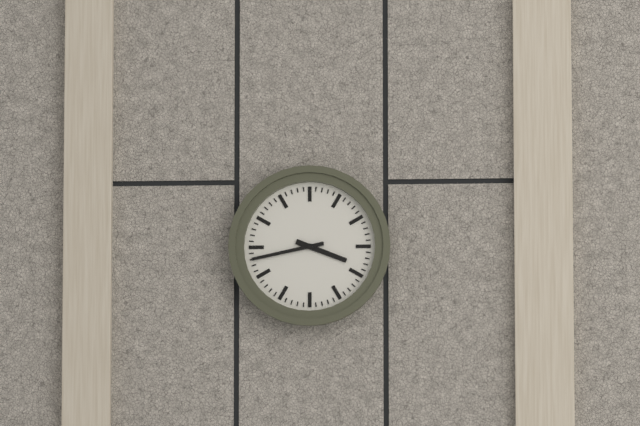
3:43
